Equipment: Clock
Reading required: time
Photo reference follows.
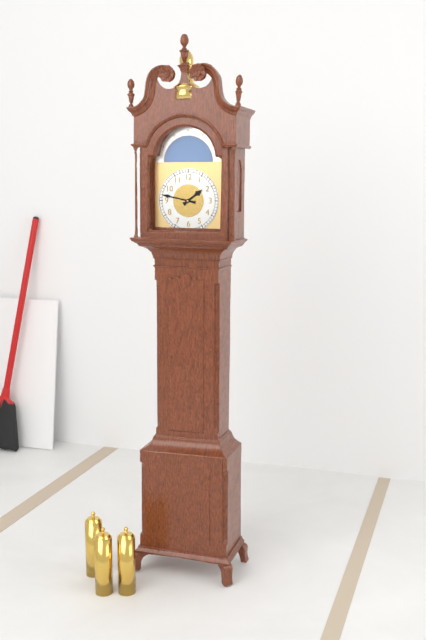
1:47
